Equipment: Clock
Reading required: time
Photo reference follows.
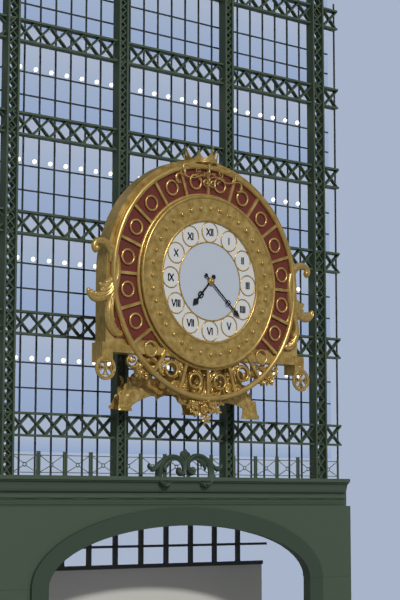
7:22
